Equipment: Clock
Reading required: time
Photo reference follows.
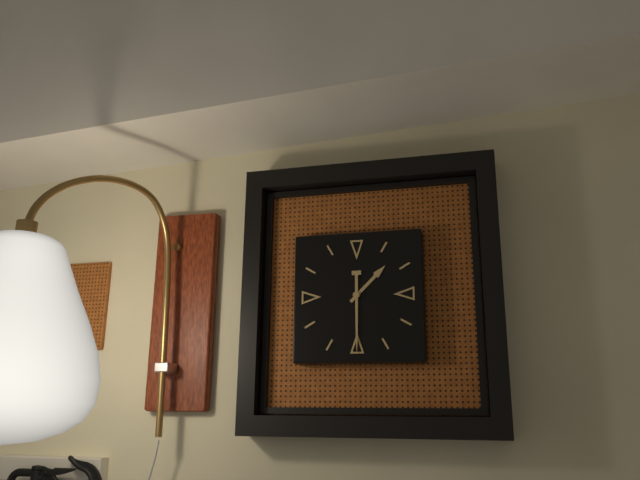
1:30
